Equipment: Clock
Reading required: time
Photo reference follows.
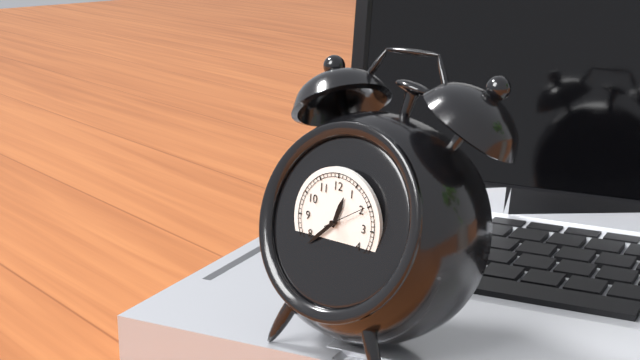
12:38
